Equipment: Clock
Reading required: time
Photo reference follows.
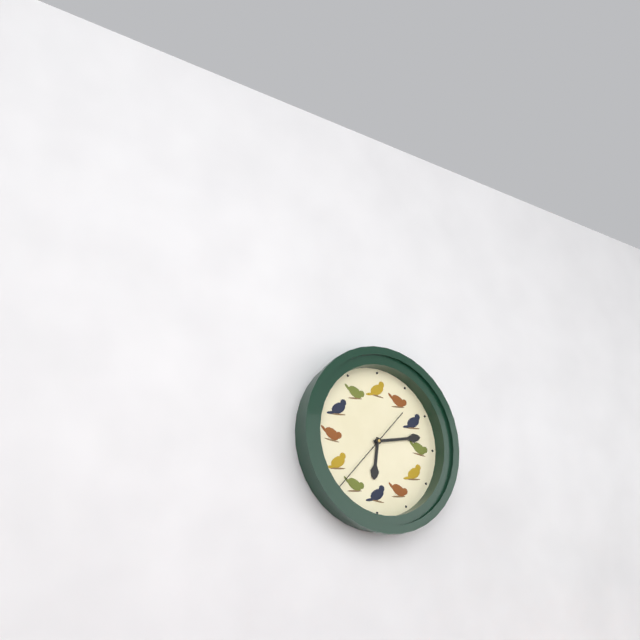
6:13:37
